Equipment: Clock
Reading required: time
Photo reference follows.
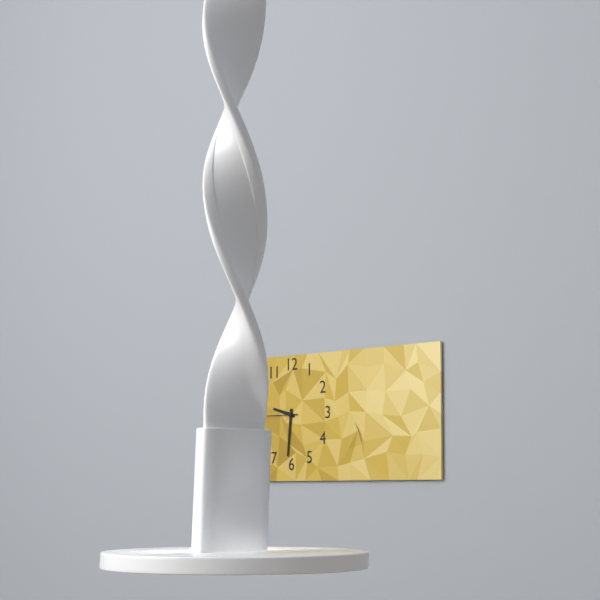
9:31
